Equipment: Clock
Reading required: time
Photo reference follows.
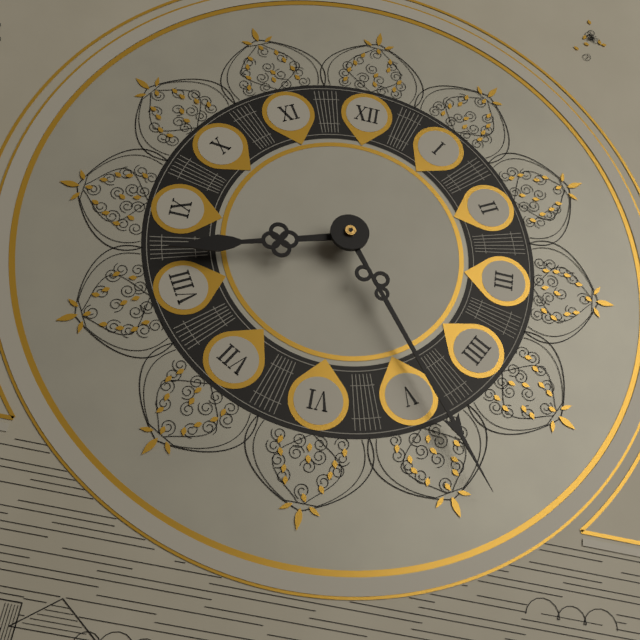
8:24
